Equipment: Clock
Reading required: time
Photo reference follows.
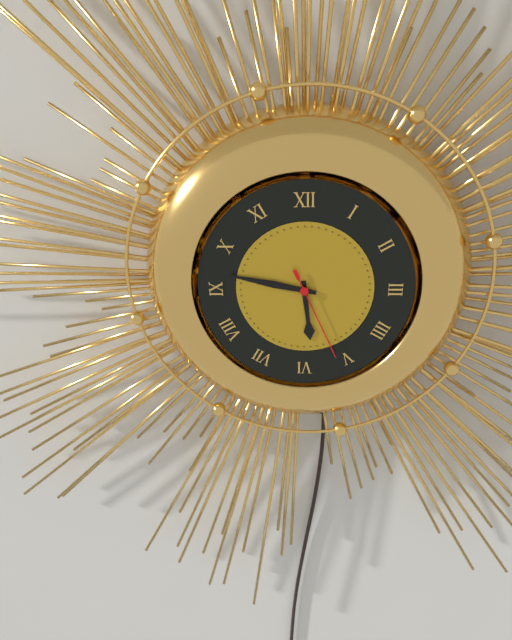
5:47:26
